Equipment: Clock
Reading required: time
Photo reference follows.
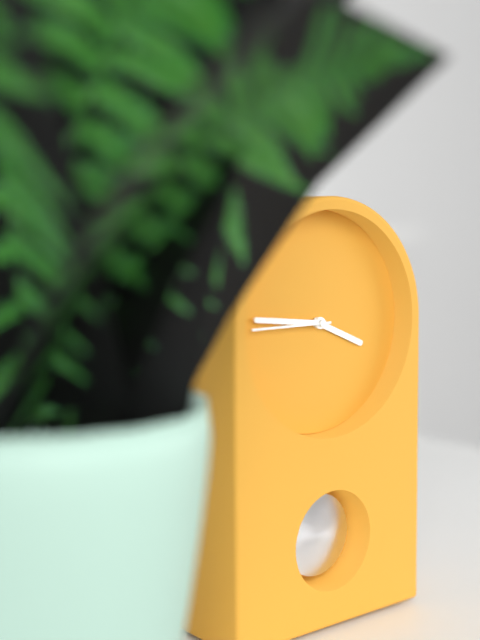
3:46:45
